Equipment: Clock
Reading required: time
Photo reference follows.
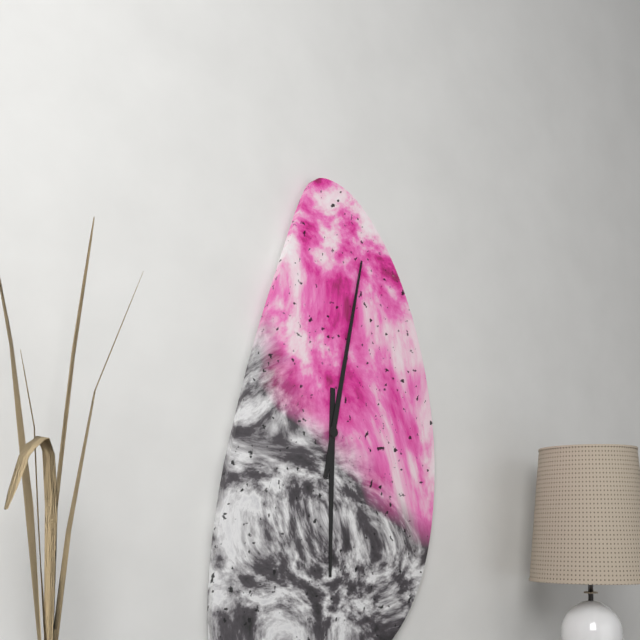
6:02
